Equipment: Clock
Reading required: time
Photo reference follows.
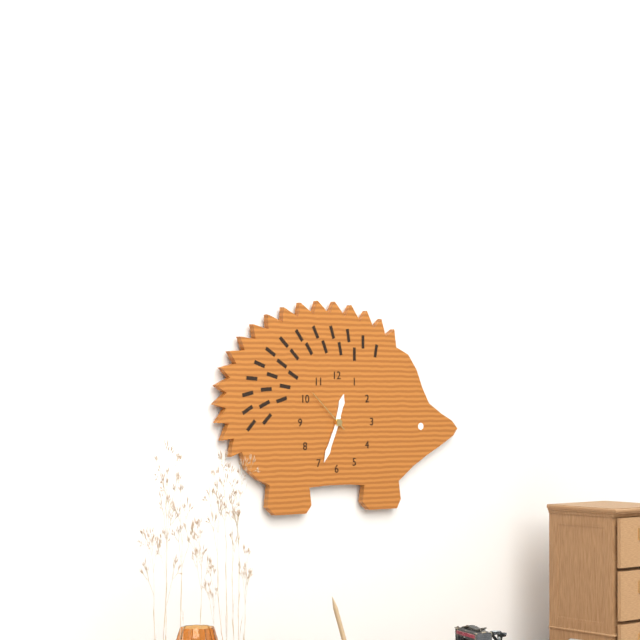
12:34
